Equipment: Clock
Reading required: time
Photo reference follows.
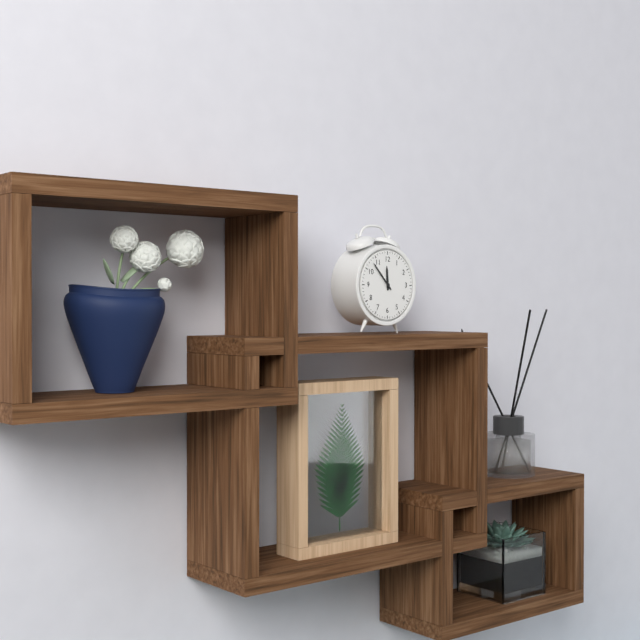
11:53
